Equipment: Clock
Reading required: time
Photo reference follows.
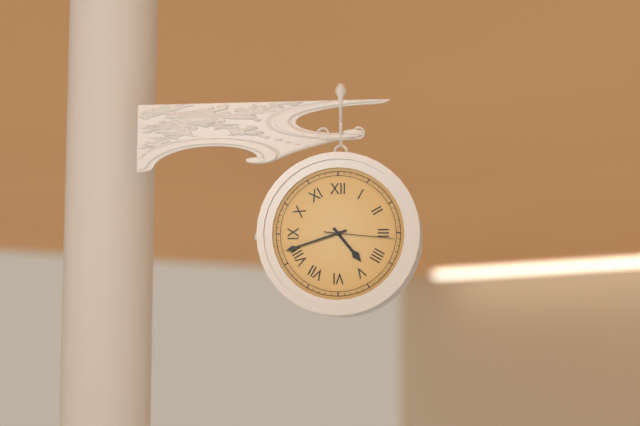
4:42:16
